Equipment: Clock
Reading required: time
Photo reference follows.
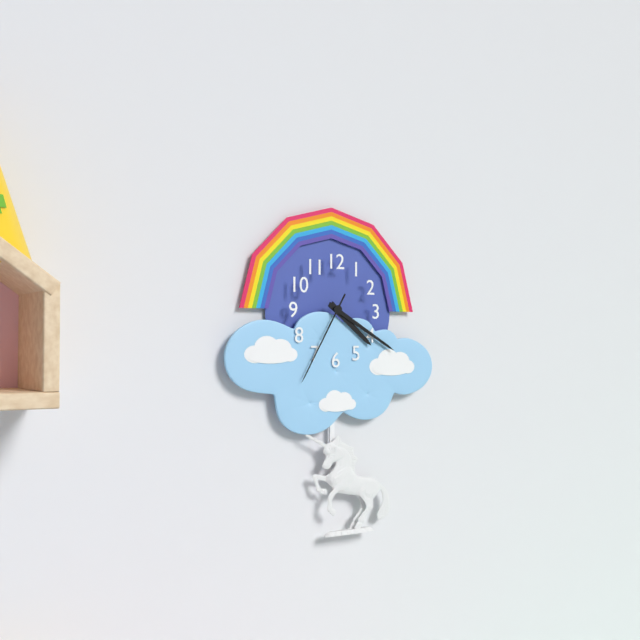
4:20:35
